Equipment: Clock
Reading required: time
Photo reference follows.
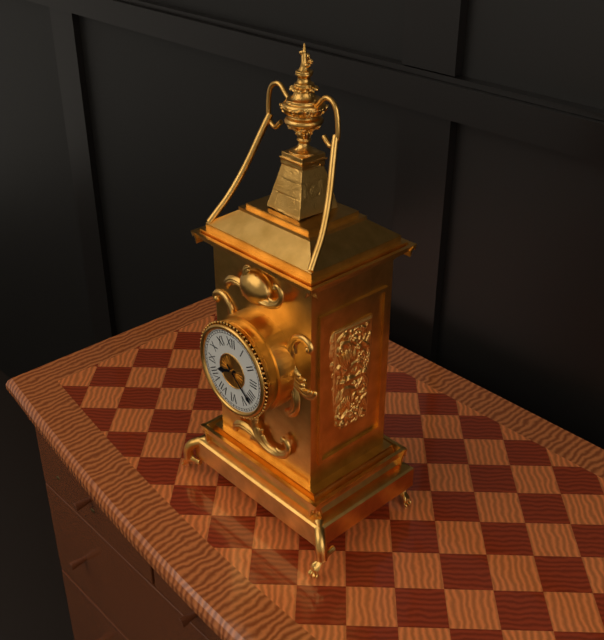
8:22
